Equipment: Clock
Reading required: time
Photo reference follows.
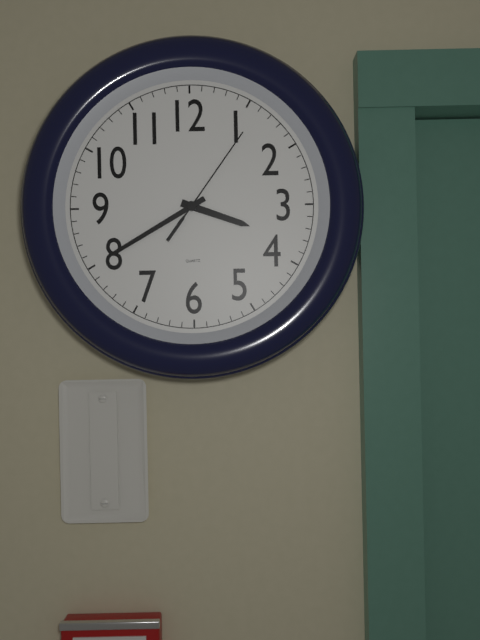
3:40:06
